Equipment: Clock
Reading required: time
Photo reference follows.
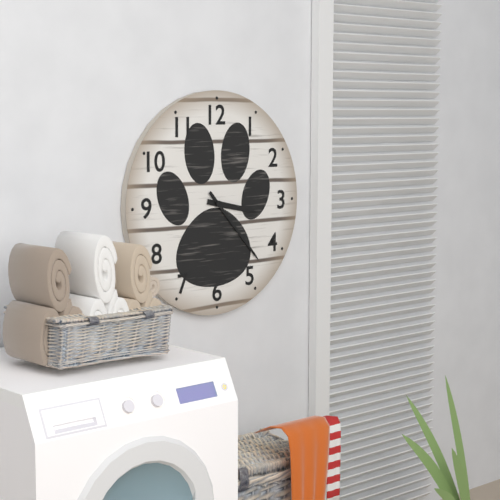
3:23
